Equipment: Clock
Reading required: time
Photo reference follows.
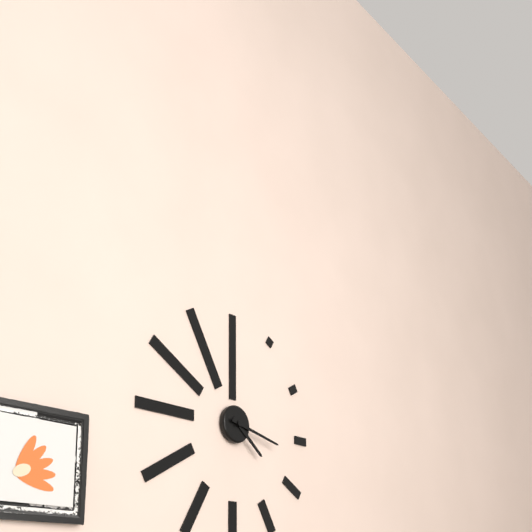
4:17
